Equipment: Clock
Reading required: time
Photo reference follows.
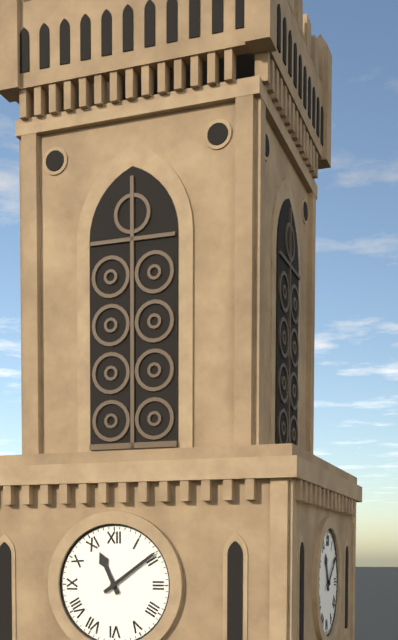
11:09
